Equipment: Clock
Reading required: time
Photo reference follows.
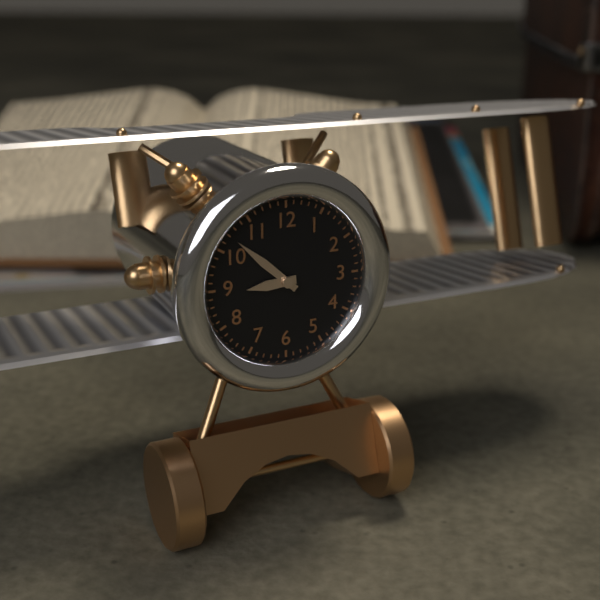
8:52
